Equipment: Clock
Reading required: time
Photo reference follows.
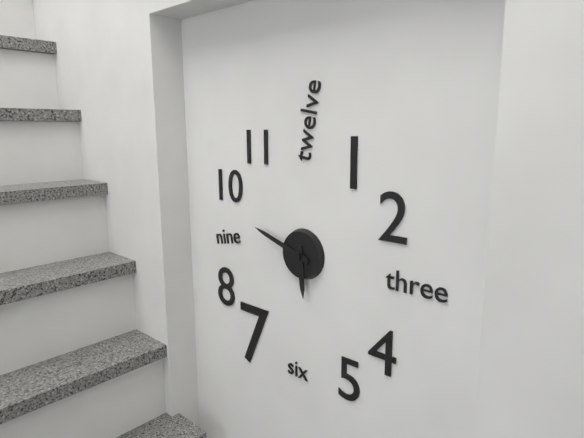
5:48
